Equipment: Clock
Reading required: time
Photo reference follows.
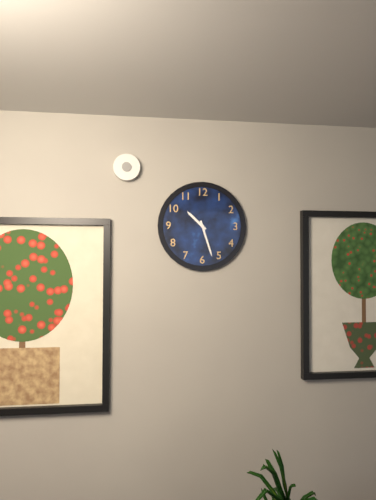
10:27
